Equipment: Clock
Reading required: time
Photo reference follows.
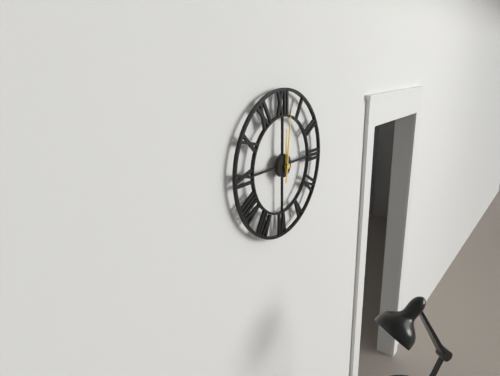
12:01
